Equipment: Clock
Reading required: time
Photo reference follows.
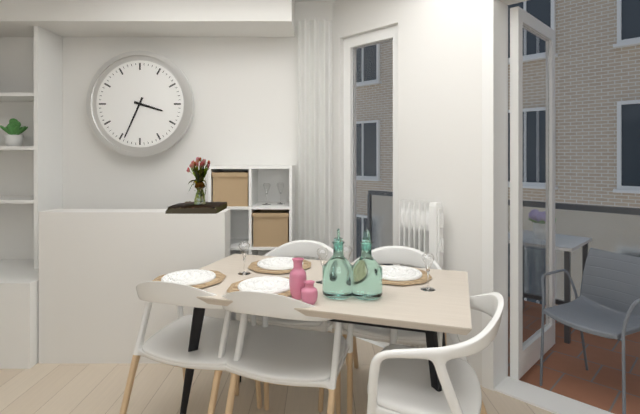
3:34
